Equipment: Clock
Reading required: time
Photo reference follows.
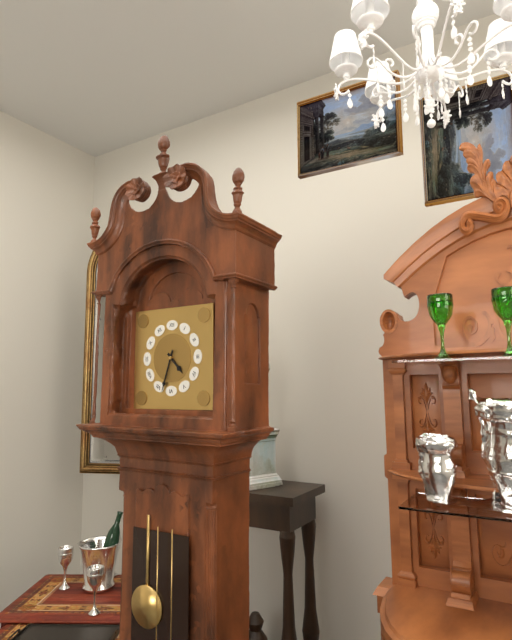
4:33
